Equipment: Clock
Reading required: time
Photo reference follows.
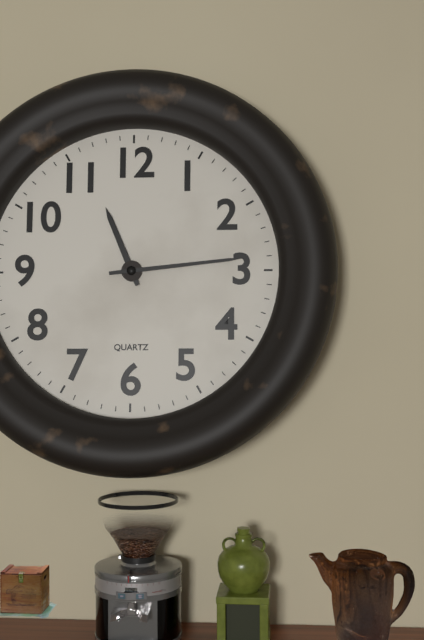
11:14
